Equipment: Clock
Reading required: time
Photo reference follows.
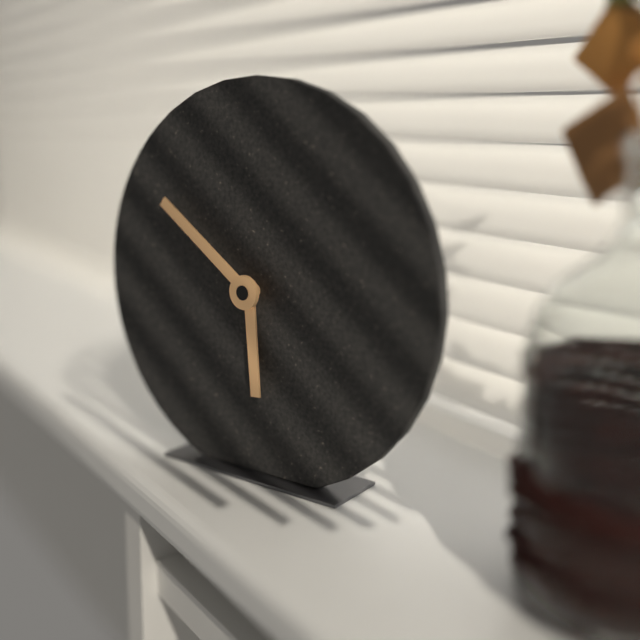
5:51
